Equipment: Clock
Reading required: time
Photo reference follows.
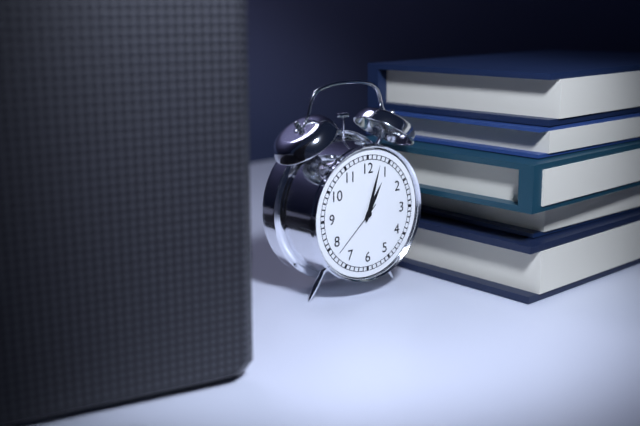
1:03:38
